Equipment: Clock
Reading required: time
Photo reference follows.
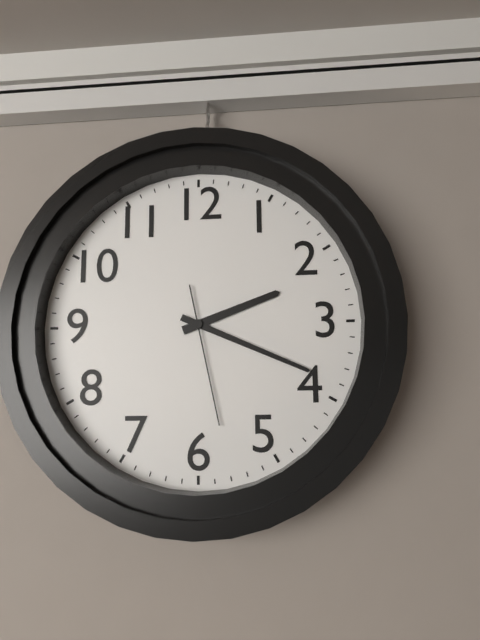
2:19:28
